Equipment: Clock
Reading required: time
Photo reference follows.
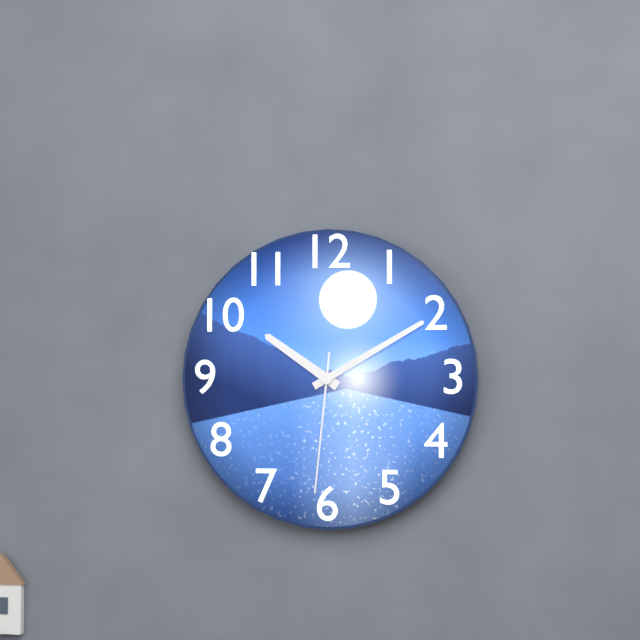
10:10:31
